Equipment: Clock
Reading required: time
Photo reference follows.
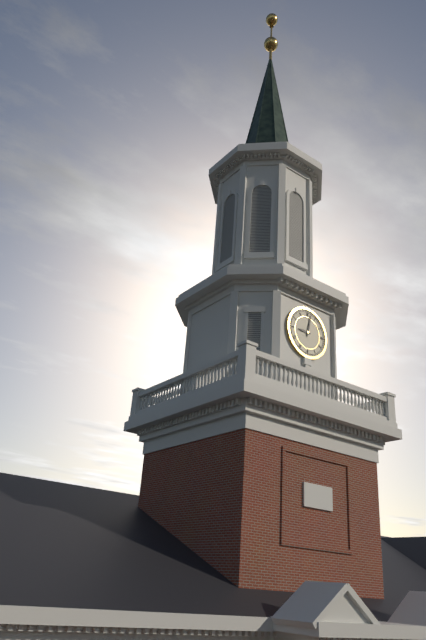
9:02
